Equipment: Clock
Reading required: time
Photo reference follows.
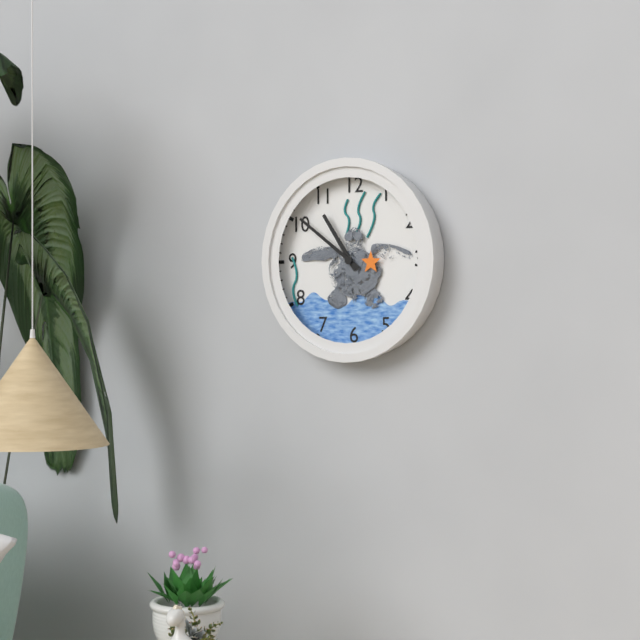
10:51
